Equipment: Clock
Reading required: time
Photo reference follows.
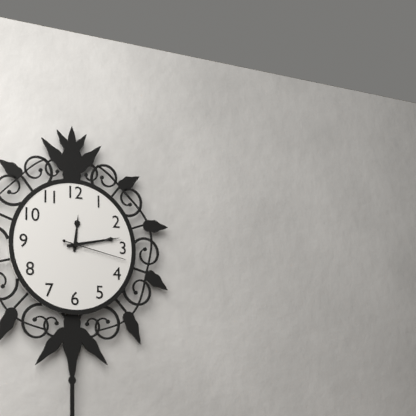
12:13:17
